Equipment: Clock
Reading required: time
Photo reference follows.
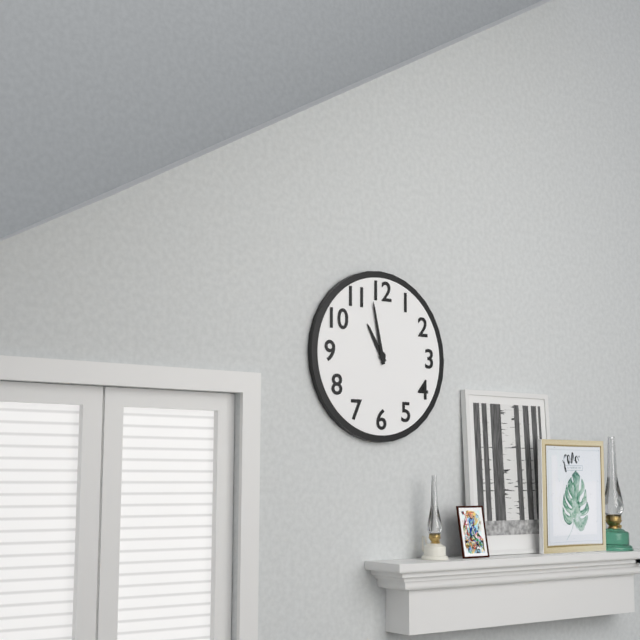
10:58
